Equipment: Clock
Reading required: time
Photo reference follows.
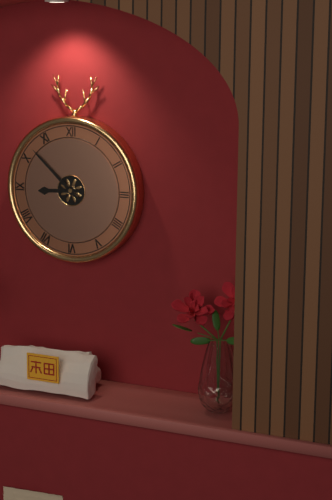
8:52
